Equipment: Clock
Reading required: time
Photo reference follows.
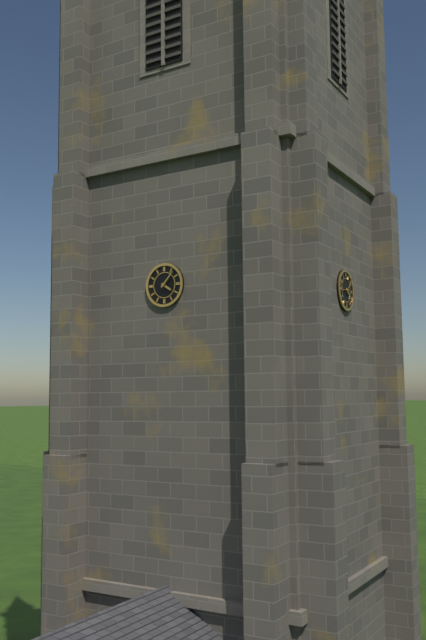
4:07
